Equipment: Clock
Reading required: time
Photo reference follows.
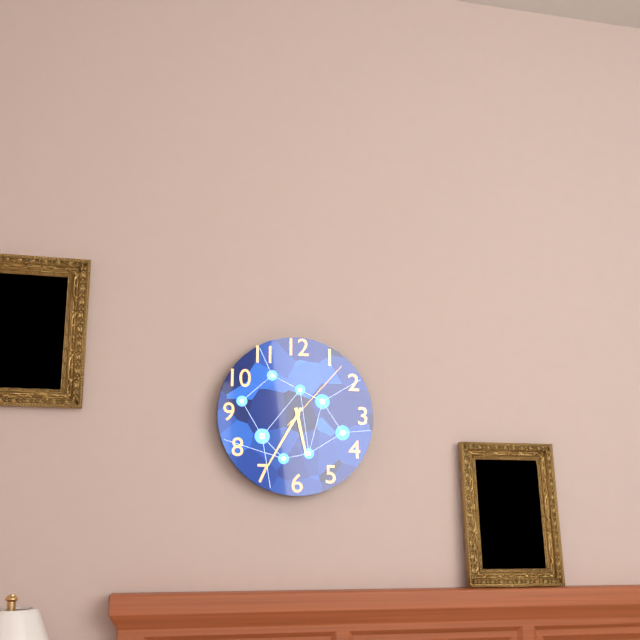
5:35:07
